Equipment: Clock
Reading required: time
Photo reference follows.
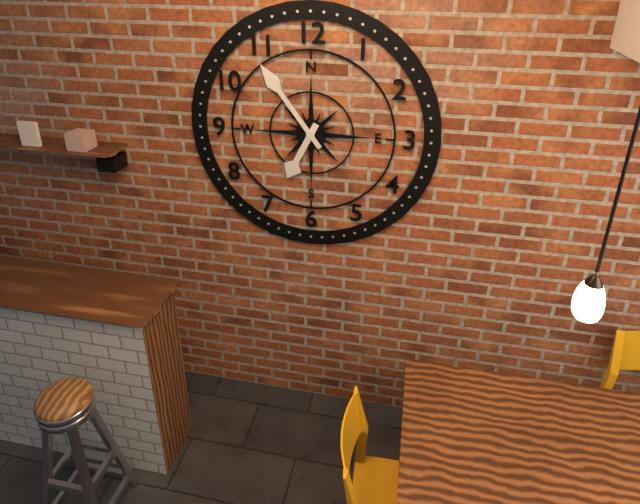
6:54
